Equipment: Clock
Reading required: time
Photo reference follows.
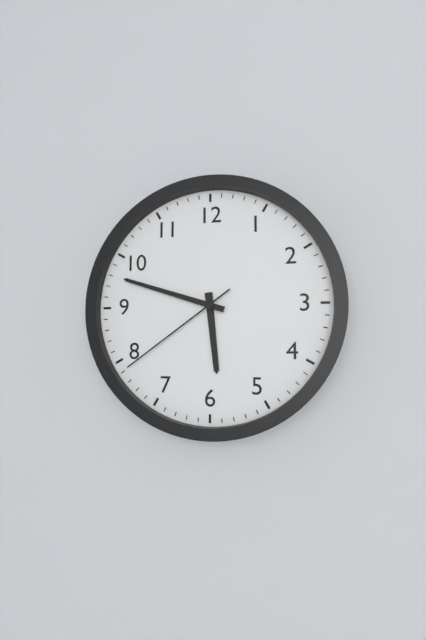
5:48:39
